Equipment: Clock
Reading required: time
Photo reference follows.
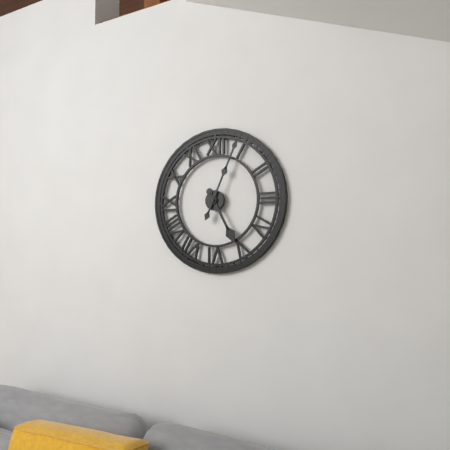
5:04
